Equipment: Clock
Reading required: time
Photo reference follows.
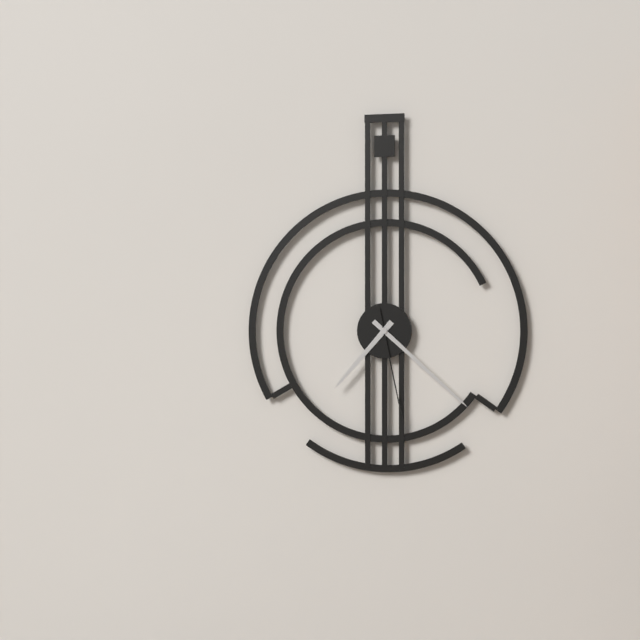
7:22:28
